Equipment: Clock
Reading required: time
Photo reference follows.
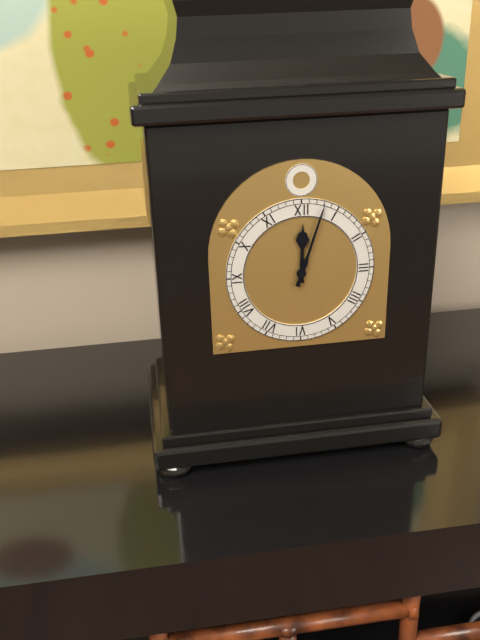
12:03
